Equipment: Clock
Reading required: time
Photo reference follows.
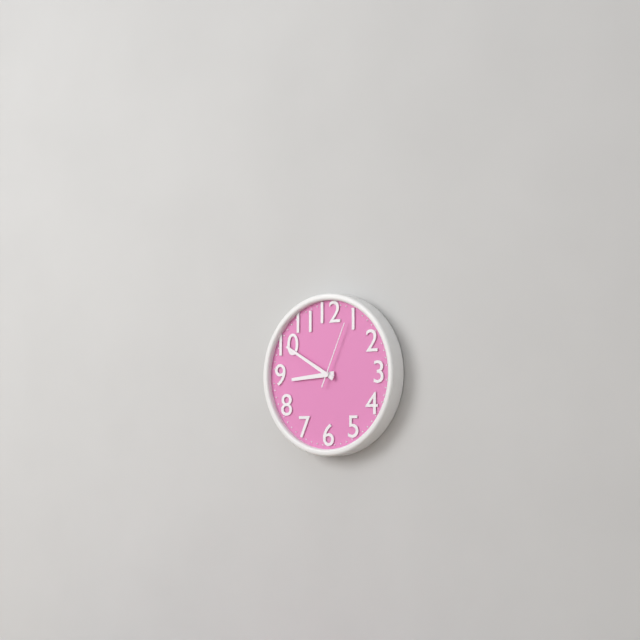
8:50:04
